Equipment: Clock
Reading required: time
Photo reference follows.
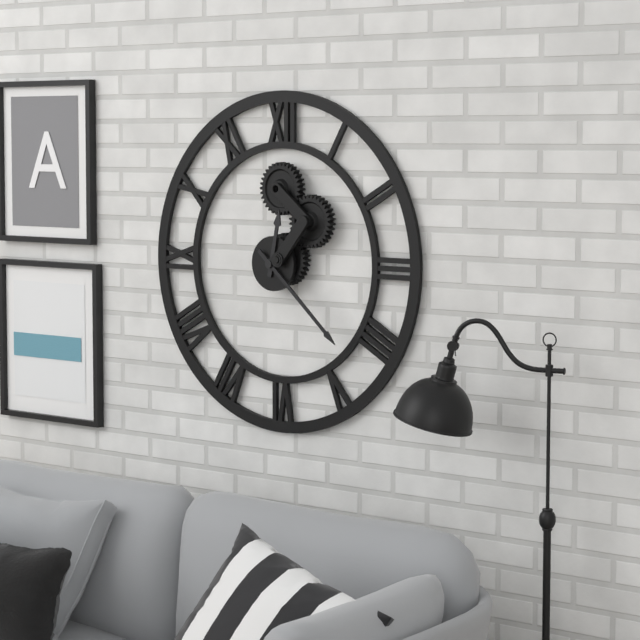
12:22
